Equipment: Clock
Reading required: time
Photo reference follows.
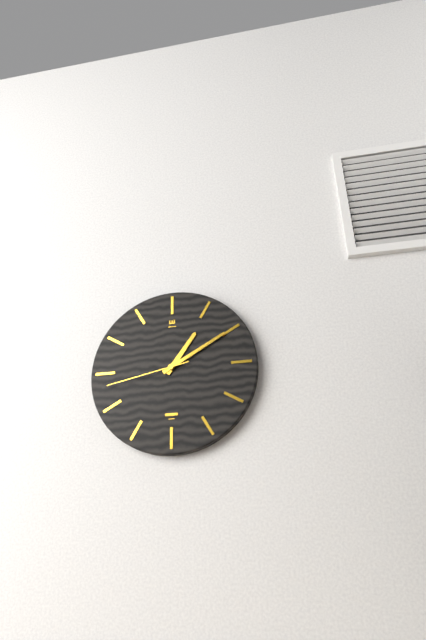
1:10:43
